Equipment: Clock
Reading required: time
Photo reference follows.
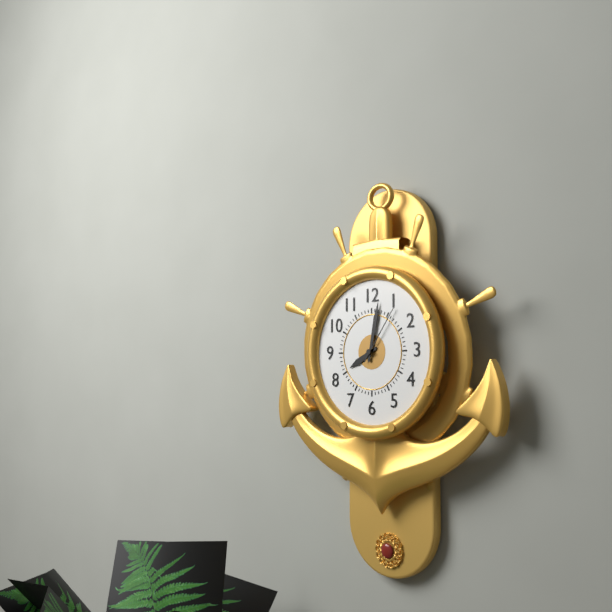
8:02:06
